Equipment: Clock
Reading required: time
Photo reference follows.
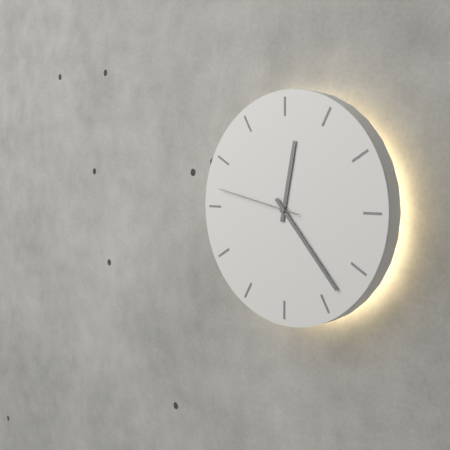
12:23:47
